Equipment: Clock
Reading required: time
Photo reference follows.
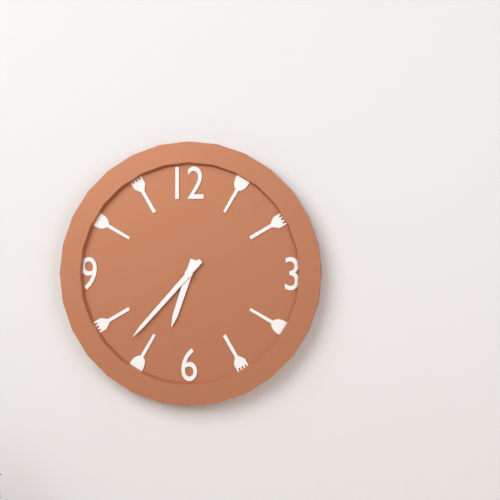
6:37
